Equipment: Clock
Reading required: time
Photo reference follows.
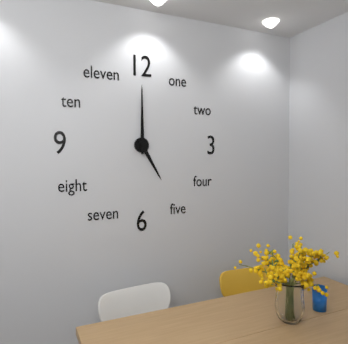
5:00
